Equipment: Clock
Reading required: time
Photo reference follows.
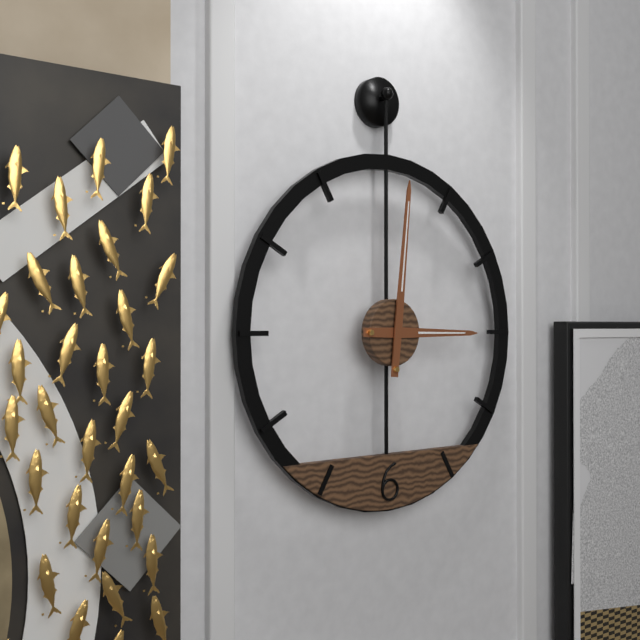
3:01
